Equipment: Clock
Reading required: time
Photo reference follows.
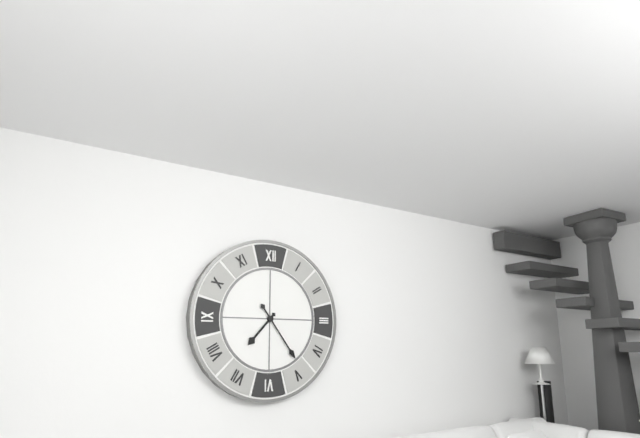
7:24
